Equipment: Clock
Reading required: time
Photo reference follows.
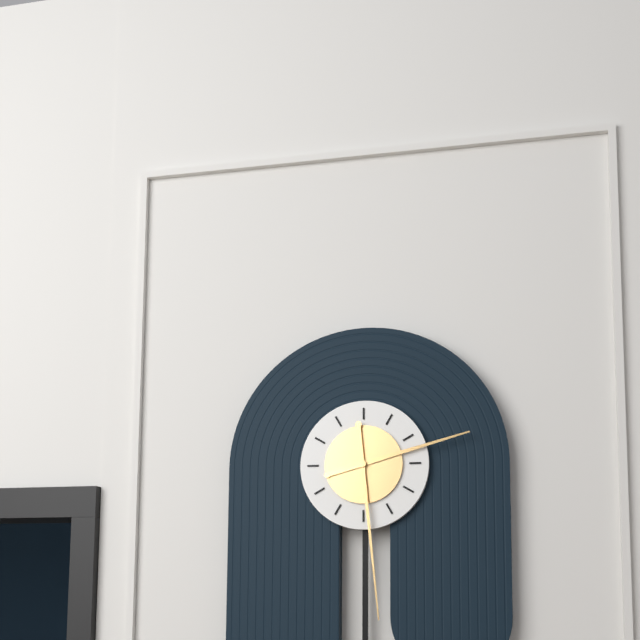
2:29
